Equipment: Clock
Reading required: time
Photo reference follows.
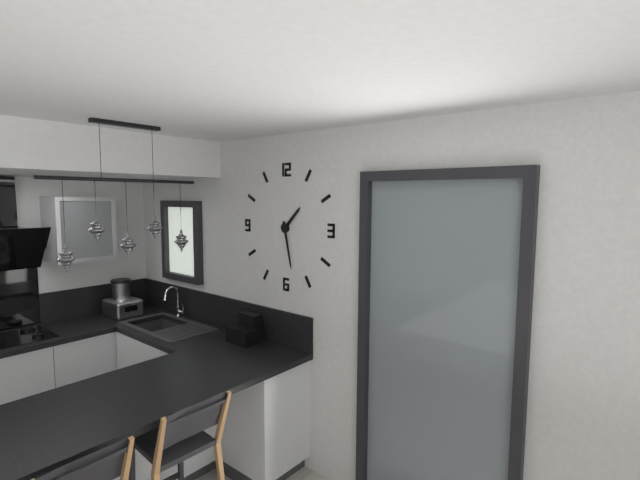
1:28
